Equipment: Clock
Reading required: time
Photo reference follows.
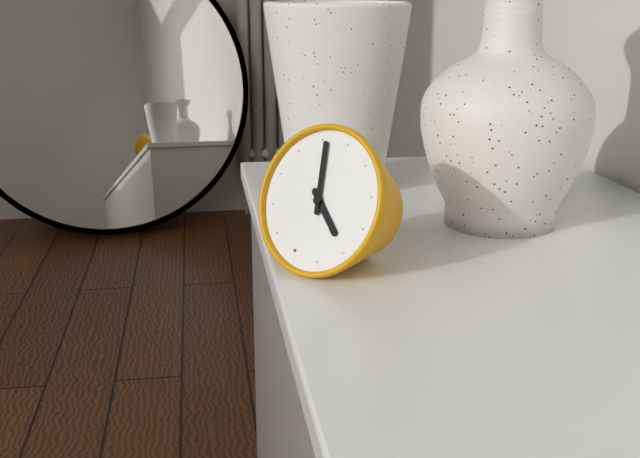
3:56
